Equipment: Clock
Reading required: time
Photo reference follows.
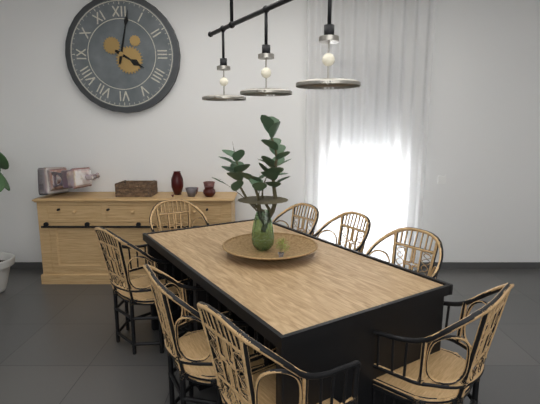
4:02
